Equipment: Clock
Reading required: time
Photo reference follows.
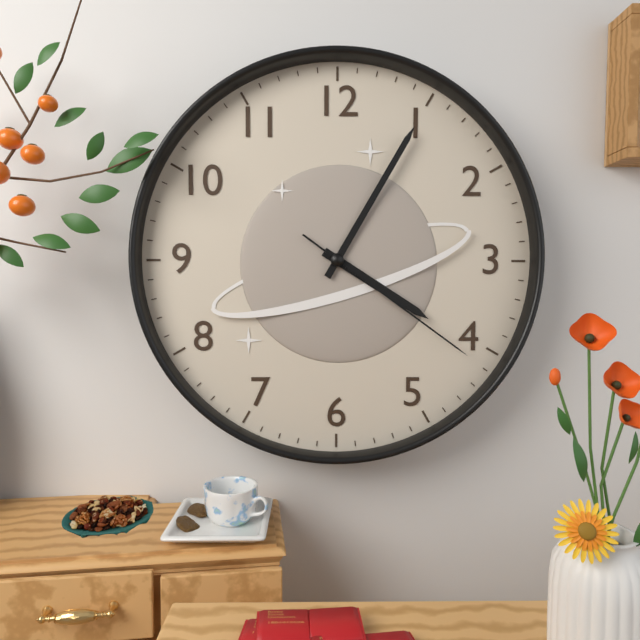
4:05:21
